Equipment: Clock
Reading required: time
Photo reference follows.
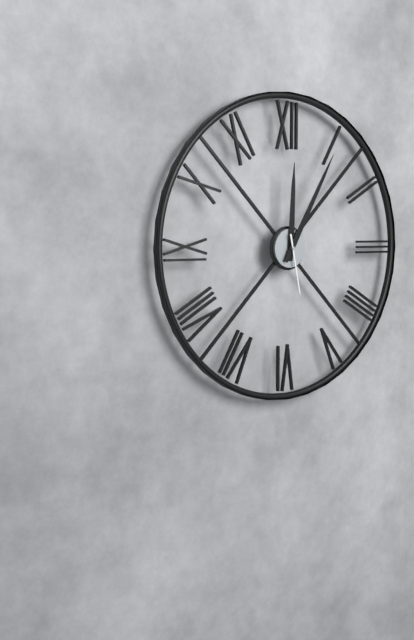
12:05:28
